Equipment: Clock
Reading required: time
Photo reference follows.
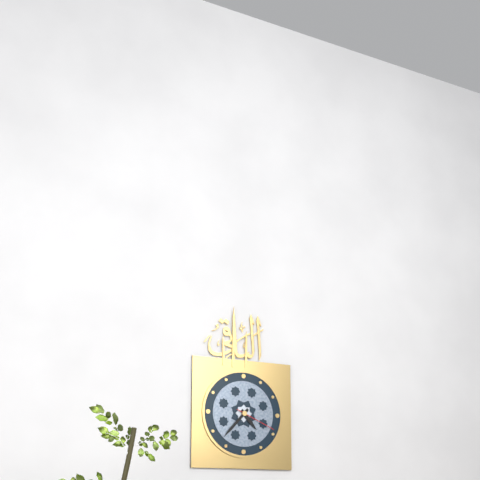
4:37
